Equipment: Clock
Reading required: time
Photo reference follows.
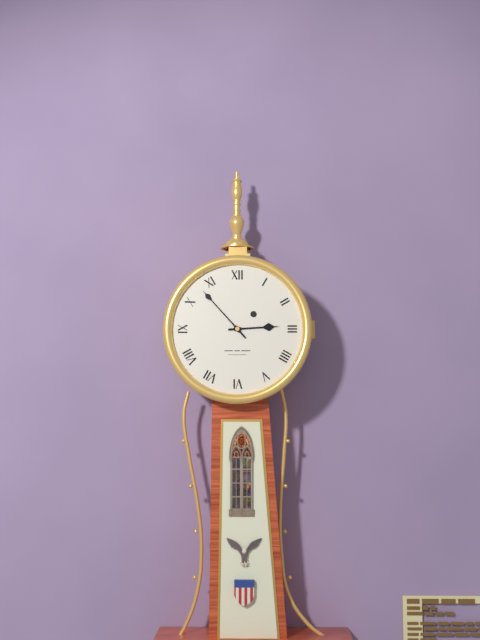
2:53
